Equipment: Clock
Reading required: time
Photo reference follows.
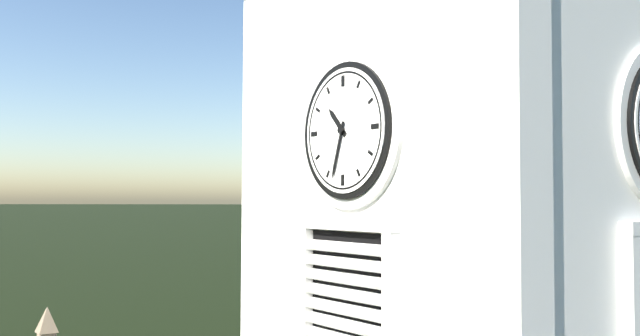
10:33
